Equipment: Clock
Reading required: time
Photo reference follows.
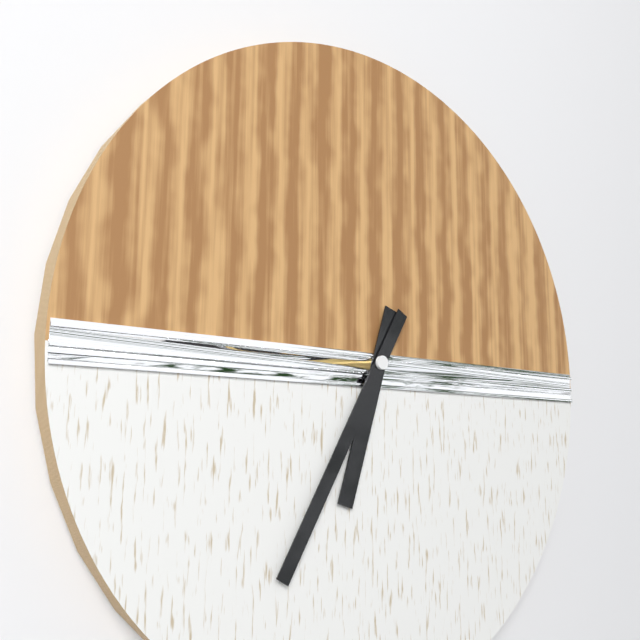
6:35
